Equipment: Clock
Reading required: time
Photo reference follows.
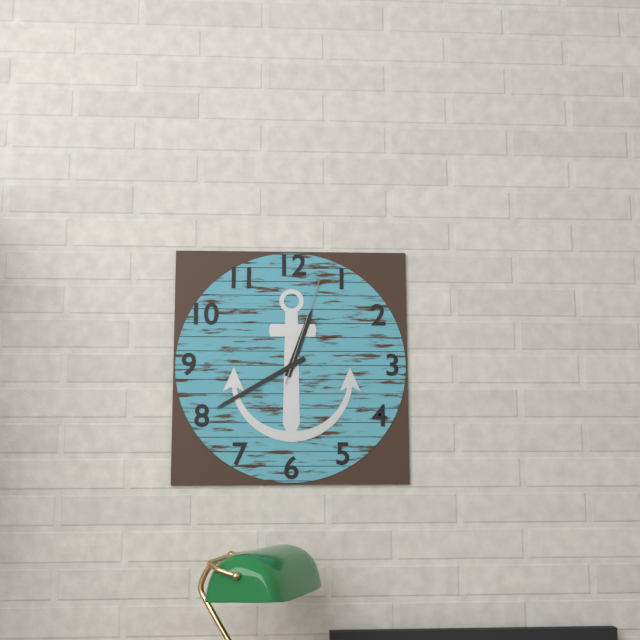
12:40:03
